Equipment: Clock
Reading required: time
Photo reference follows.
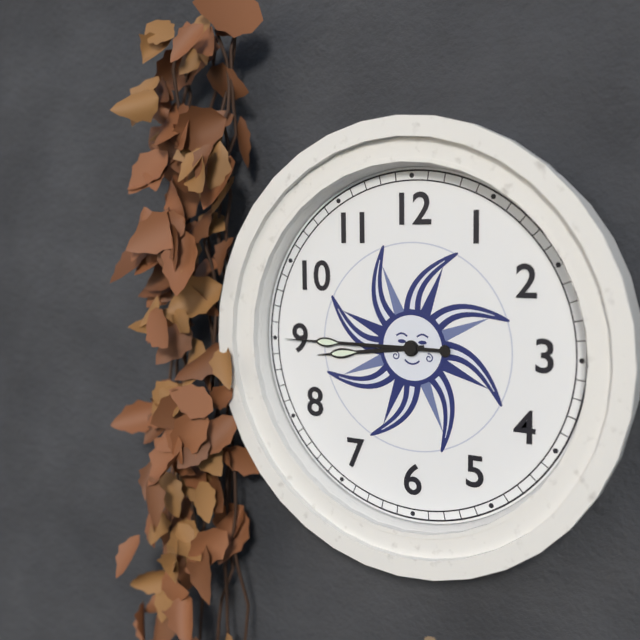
8:45
